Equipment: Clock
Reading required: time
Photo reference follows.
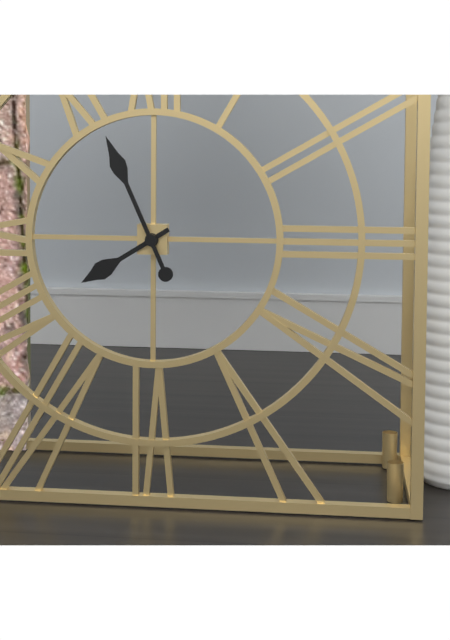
7:56
